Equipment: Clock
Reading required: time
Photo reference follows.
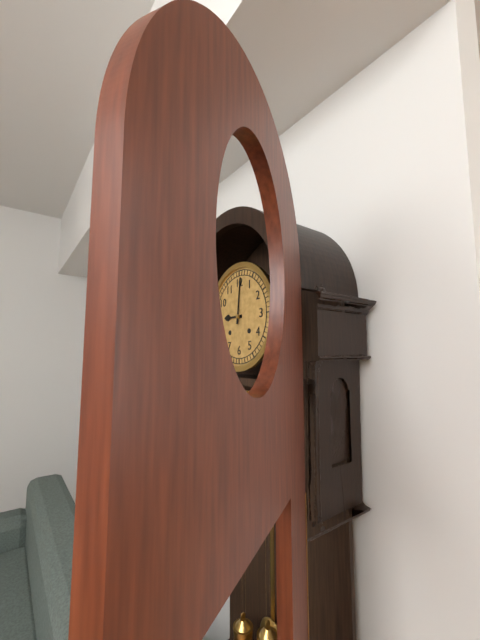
9:01
